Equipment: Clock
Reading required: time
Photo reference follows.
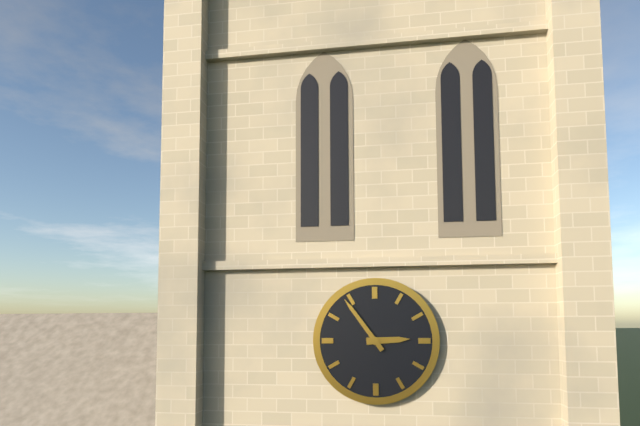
2:54
